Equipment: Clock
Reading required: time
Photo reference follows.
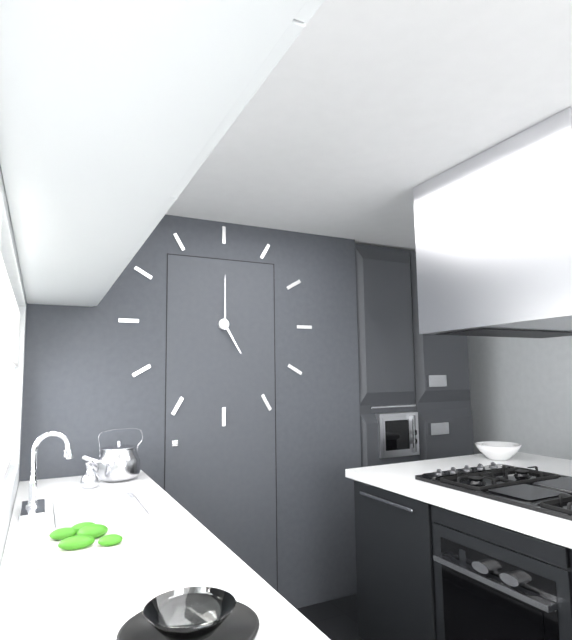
5:00
